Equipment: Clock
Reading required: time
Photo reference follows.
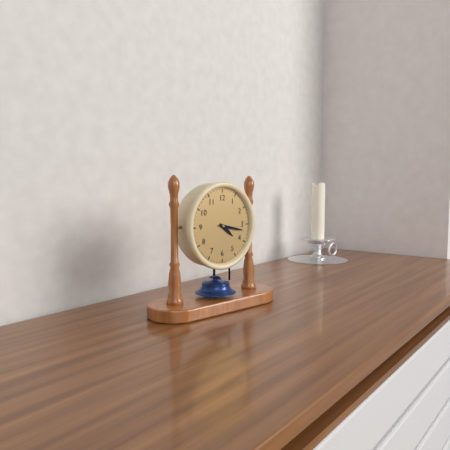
4:17
